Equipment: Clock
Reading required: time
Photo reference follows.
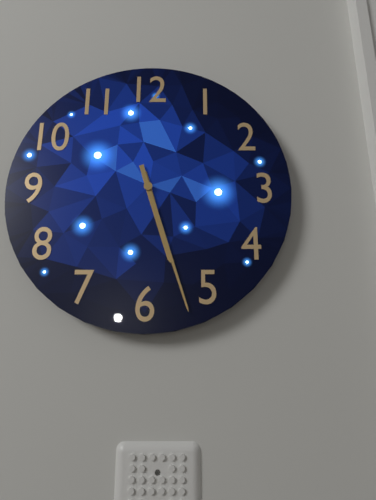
5:27
